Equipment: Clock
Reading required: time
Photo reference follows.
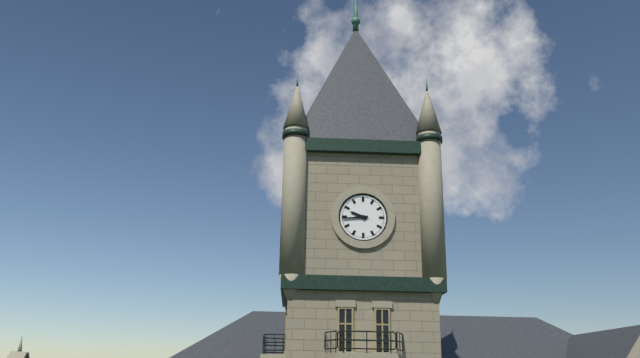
9:44
